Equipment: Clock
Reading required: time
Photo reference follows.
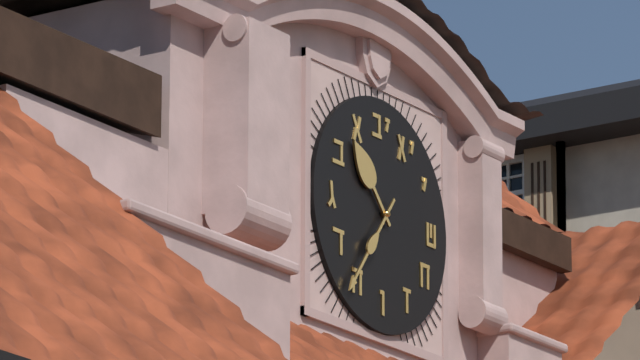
10:36
